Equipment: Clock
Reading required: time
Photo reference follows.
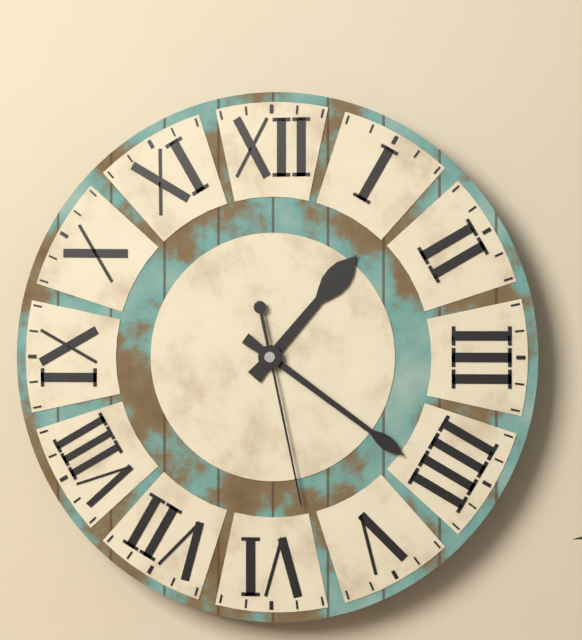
1:21:28
